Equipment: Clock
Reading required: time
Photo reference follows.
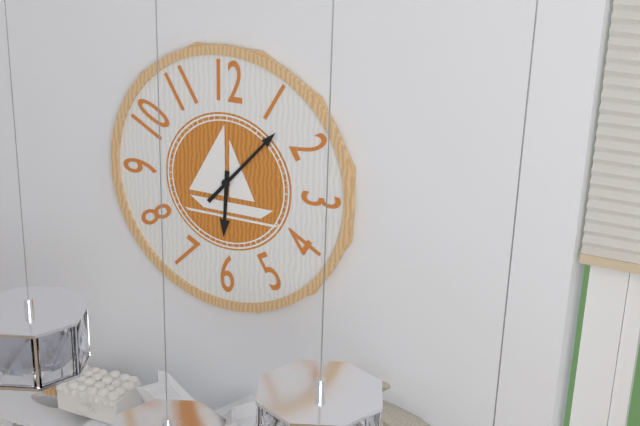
6:07
